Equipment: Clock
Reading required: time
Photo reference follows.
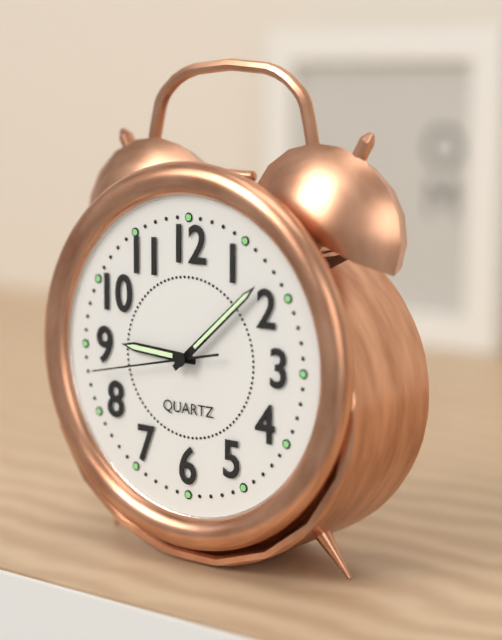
9:08:43
